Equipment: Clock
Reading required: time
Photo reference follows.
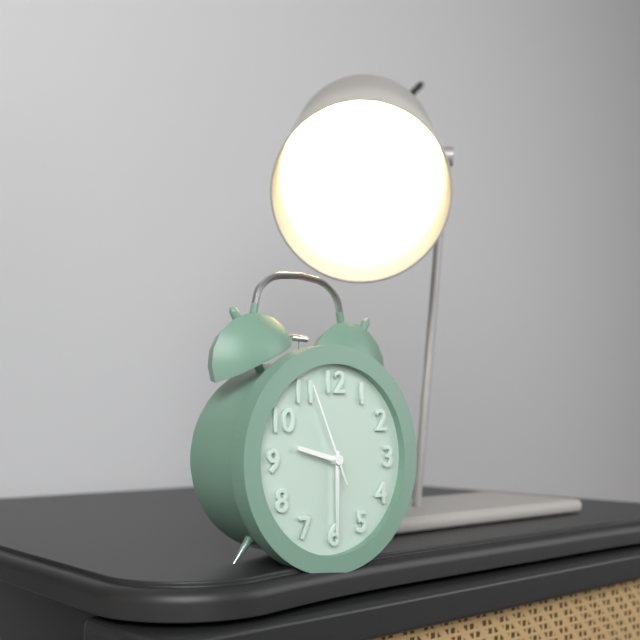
9:30:56
